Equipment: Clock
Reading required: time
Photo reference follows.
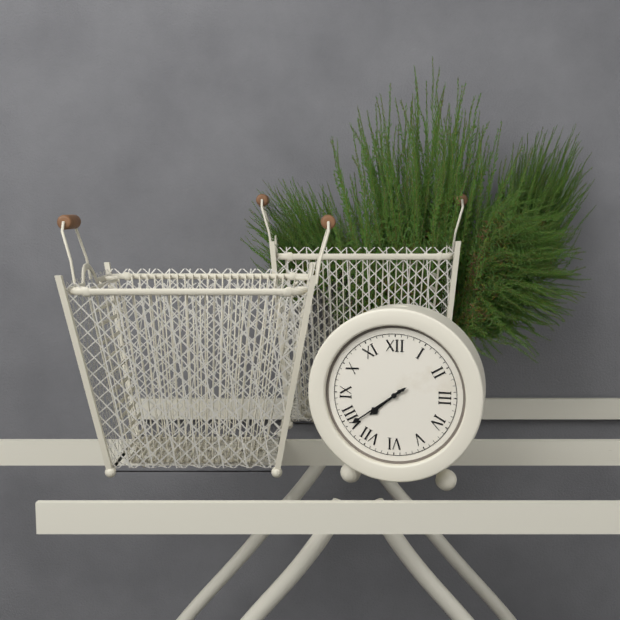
7:39
